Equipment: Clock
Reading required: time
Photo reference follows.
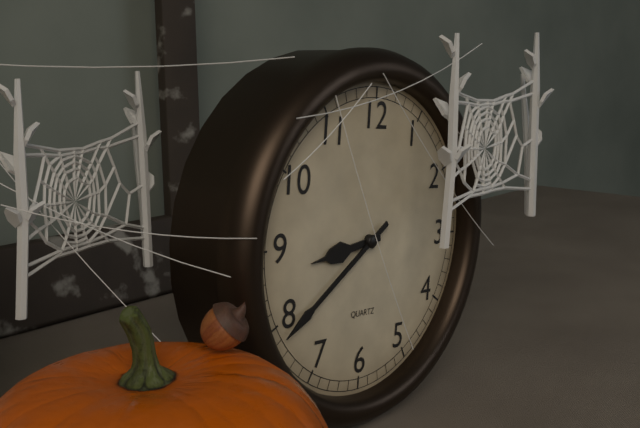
8:39
